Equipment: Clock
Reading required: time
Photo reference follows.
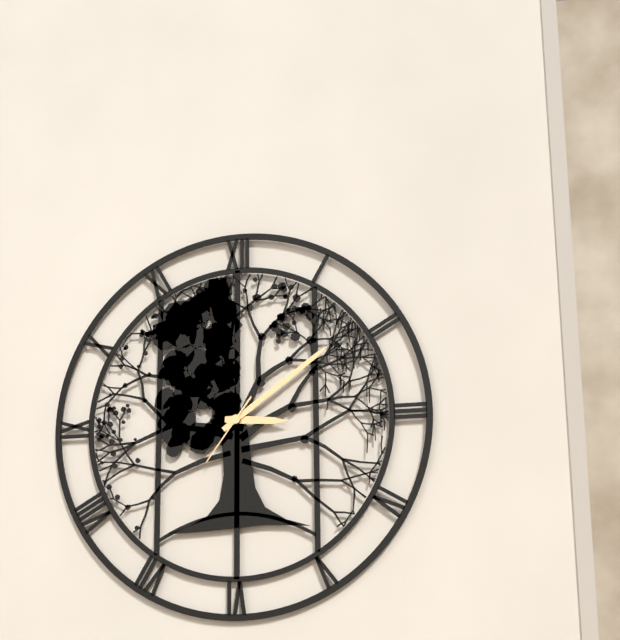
3:09:36
